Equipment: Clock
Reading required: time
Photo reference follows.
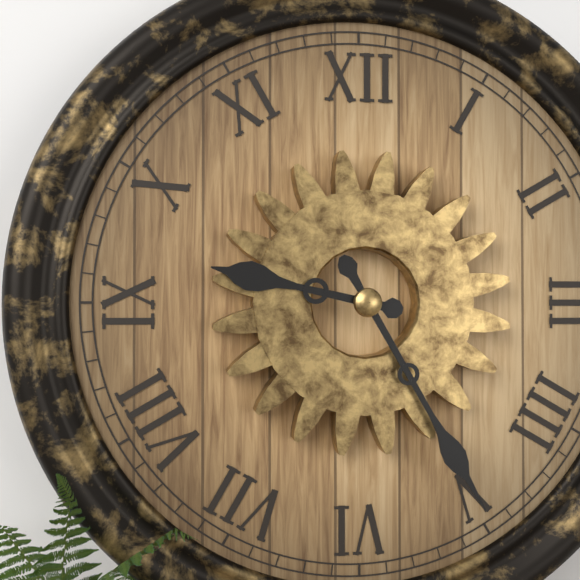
9:25
